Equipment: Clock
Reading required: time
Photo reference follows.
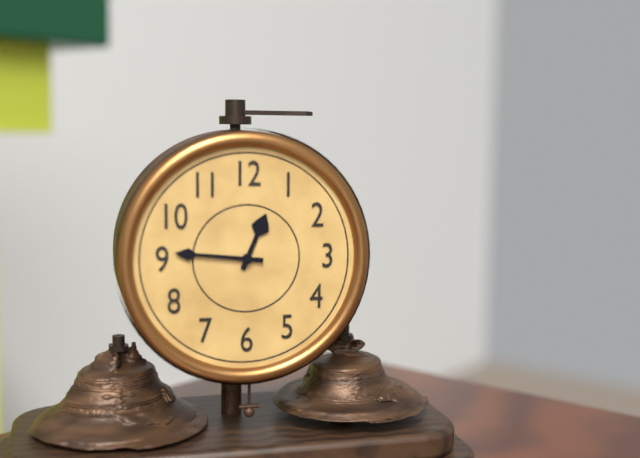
12:46
